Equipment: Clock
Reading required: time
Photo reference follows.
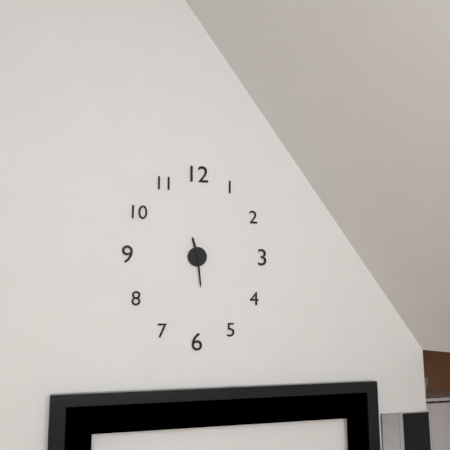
11:29
